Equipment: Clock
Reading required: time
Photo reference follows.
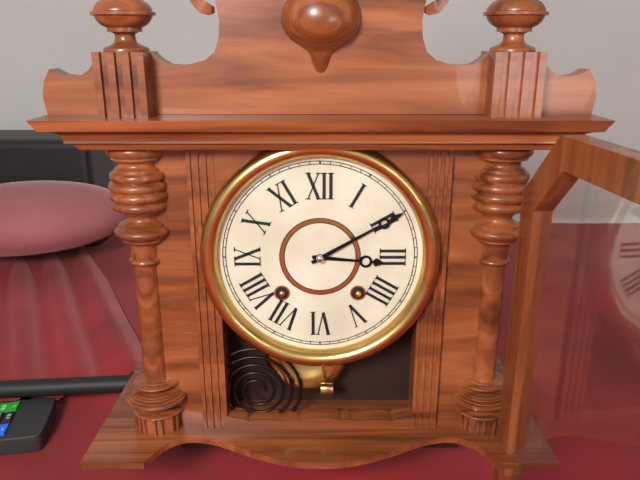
3:10
